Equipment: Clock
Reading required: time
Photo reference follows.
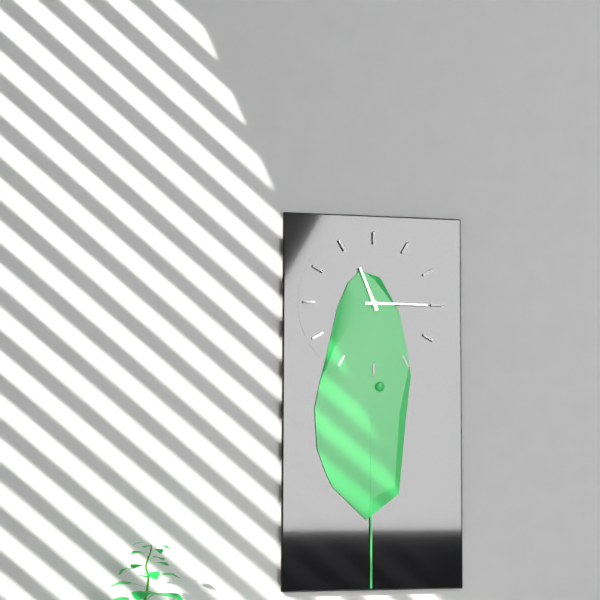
11:15
